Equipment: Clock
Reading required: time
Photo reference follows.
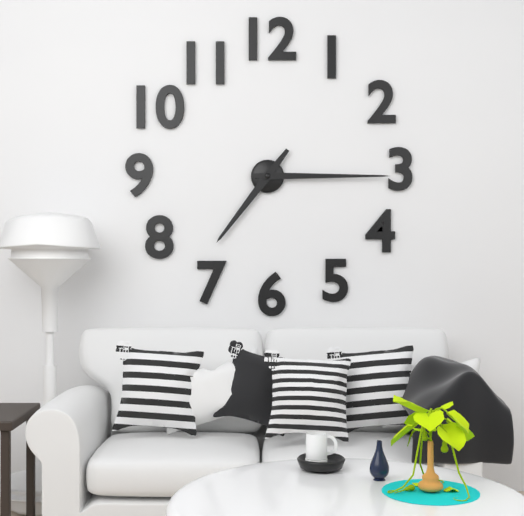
7:15
